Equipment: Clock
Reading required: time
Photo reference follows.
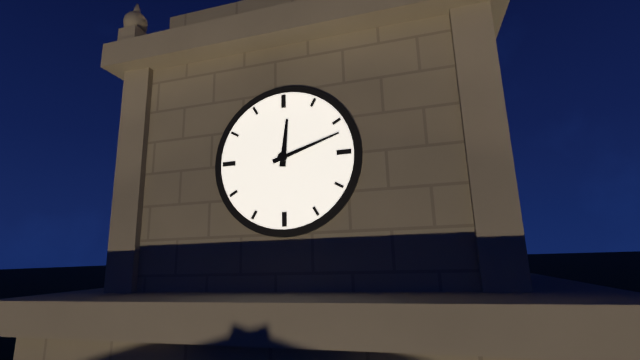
12:12
